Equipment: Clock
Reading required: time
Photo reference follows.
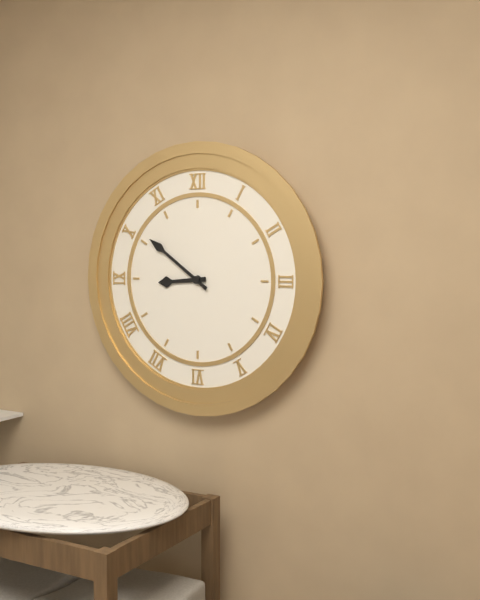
8:51
